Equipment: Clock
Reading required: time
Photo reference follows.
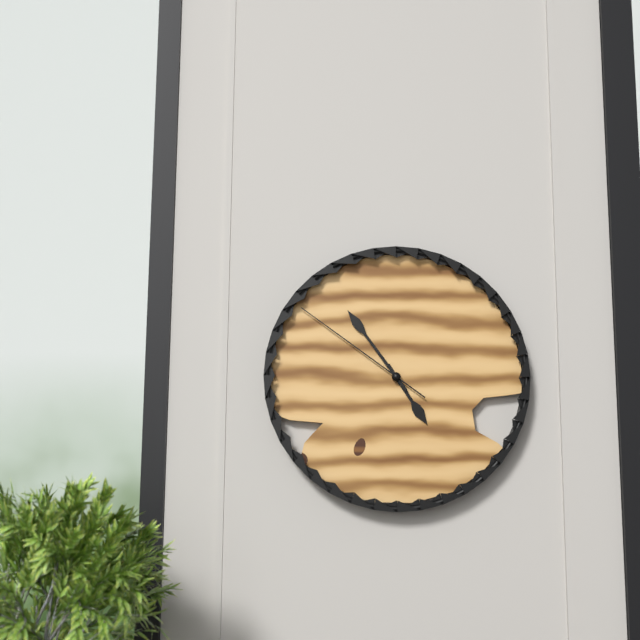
4:54:51
